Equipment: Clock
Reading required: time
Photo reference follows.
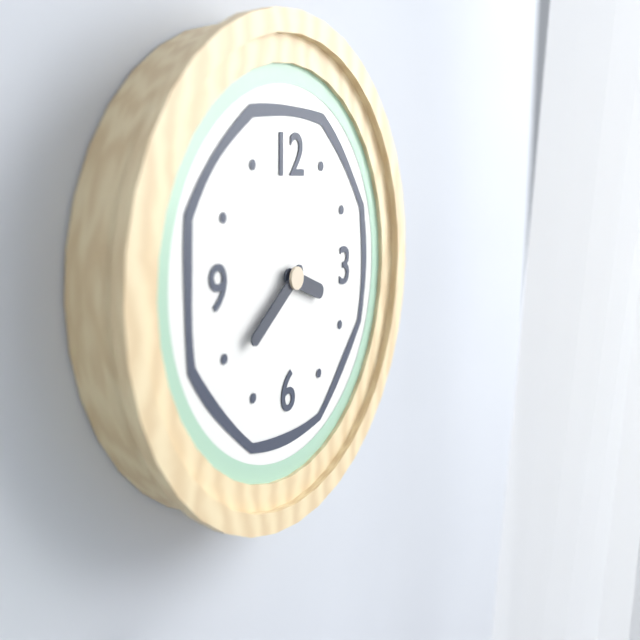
3:39
